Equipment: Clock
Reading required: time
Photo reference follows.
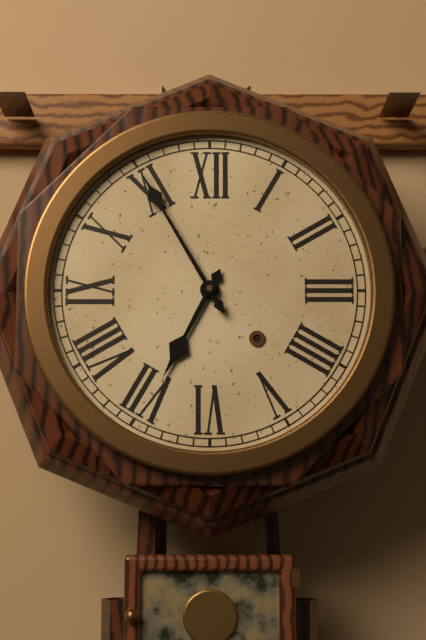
6:55
